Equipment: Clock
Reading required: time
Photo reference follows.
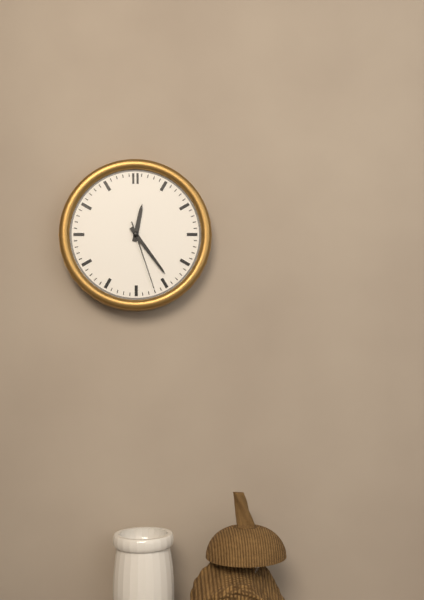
12:24:27
